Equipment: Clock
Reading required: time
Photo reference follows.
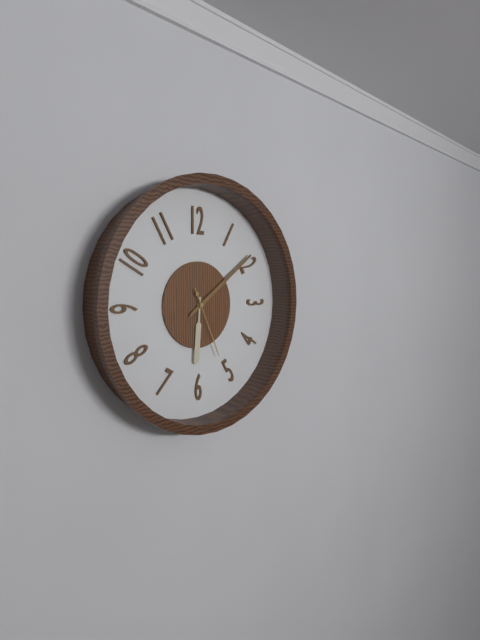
6:09:26
